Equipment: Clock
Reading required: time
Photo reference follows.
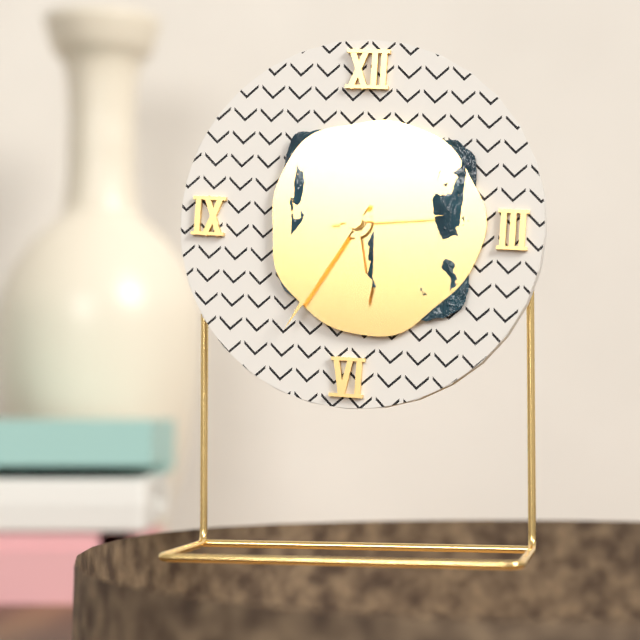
5:35:14
